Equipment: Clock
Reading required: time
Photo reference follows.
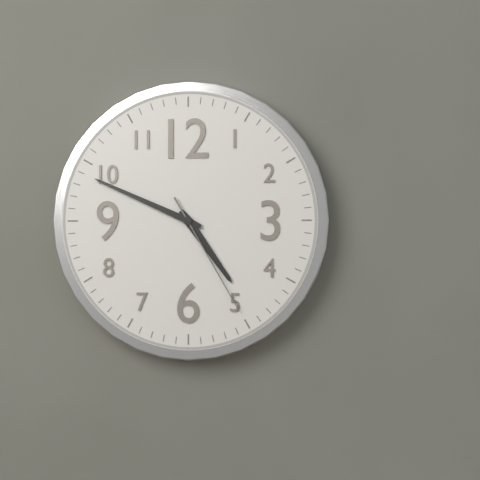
4:49:25
